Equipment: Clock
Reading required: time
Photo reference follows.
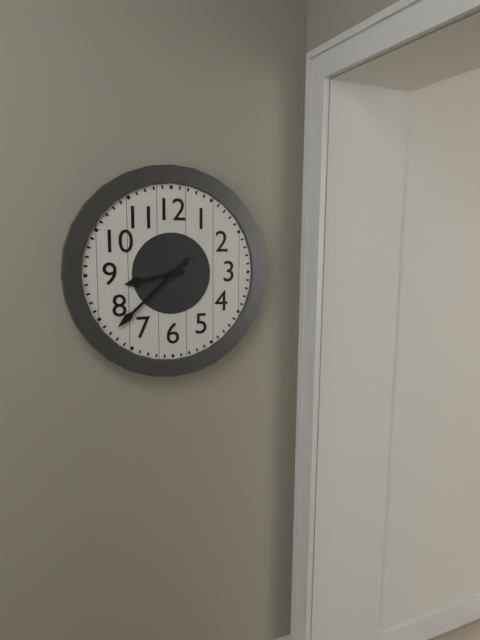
8:38
